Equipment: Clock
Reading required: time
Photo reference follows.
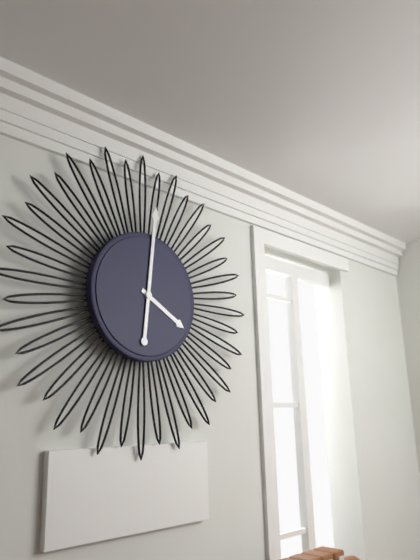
4:01
